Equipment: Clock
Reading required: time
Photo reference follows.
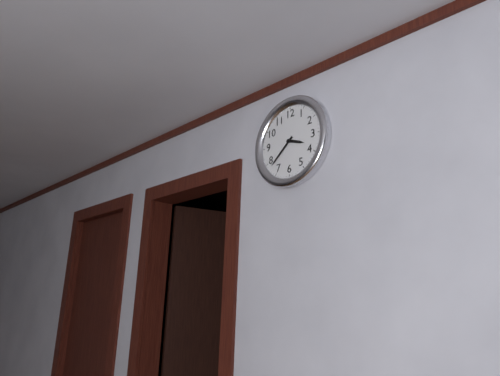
3:38
